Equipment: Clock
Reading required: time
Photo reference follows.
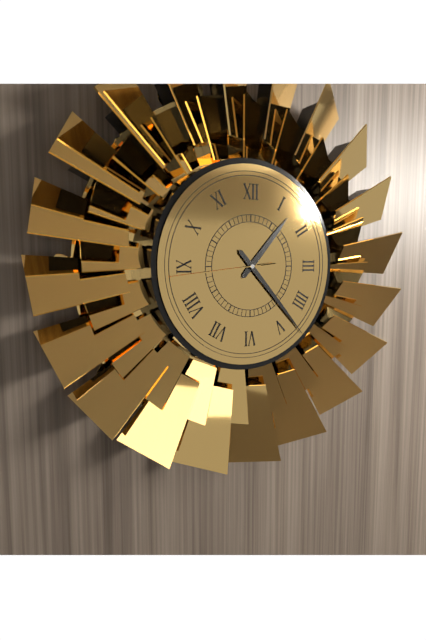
1:23:44
